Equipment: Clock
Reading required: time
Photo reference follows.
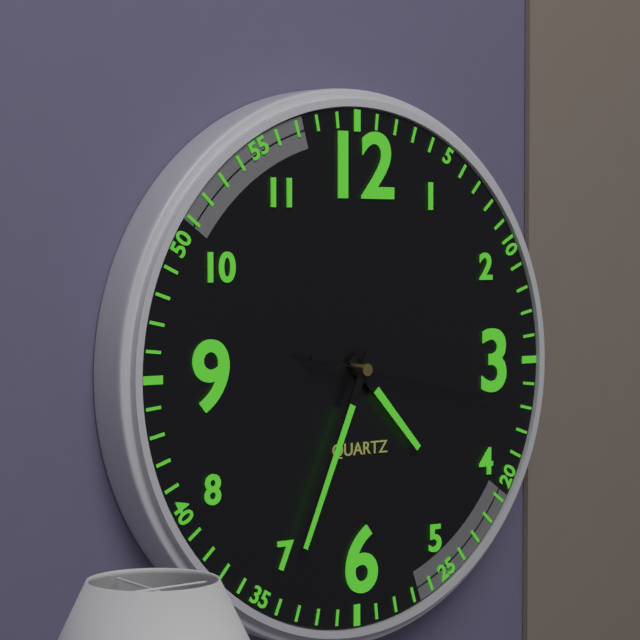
4:34:17
